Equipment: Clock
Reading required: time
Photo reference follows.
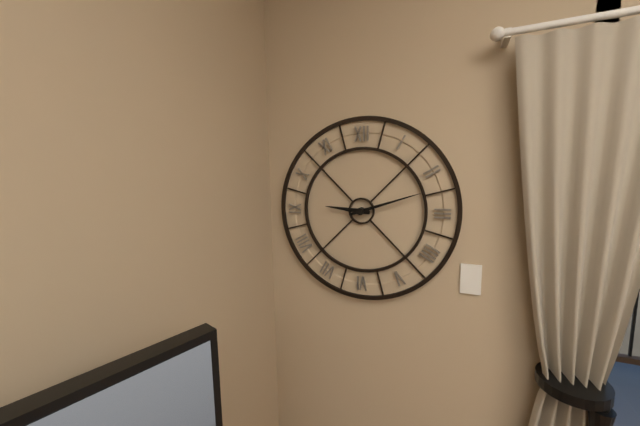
9:12
